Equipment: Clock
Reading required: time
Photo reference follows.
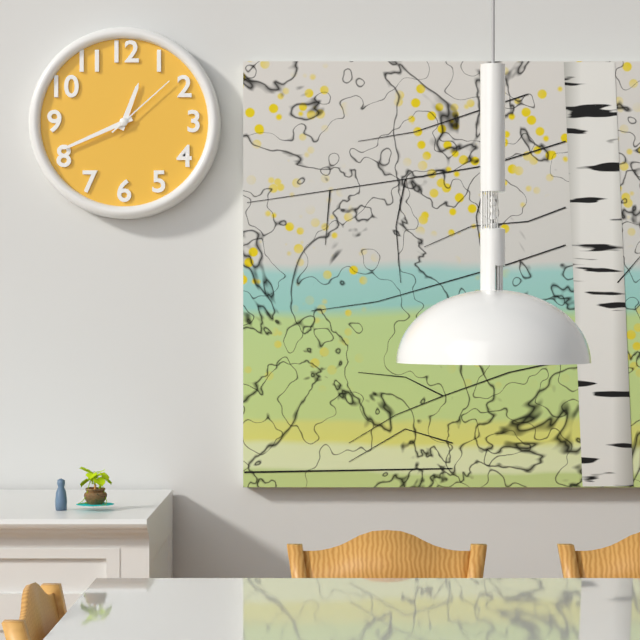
12:41:08
